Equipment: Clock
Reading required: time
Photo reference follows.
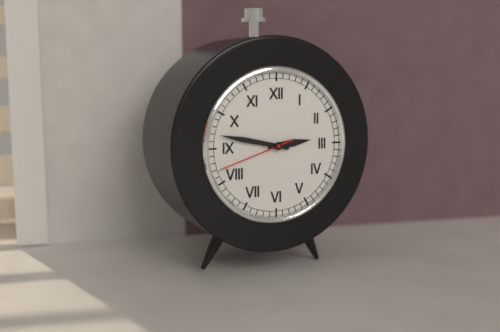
2:47:42
